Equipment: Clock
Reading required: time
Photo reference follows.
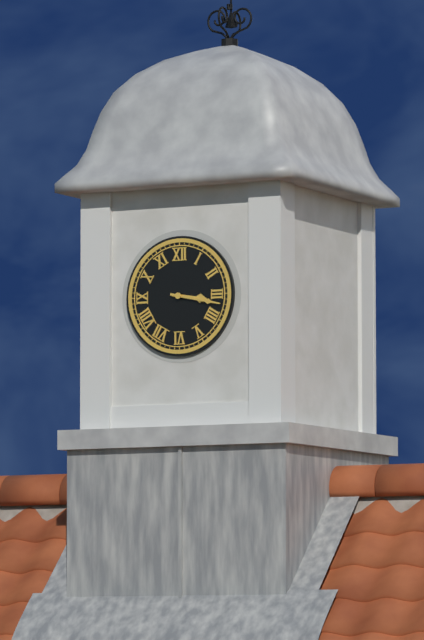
3:17
